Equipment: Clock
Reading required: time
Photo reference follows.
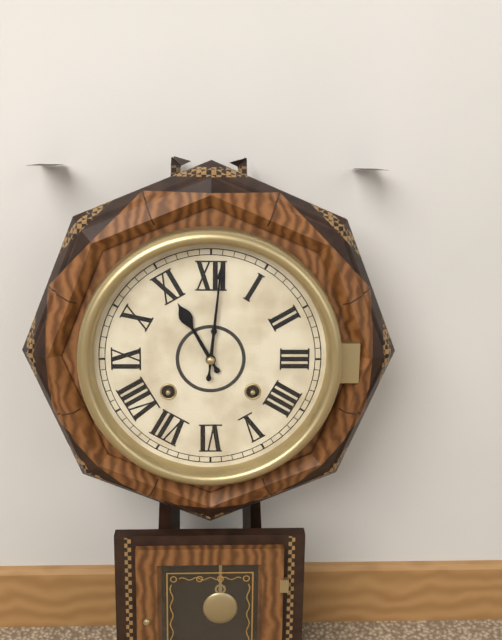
11:01
